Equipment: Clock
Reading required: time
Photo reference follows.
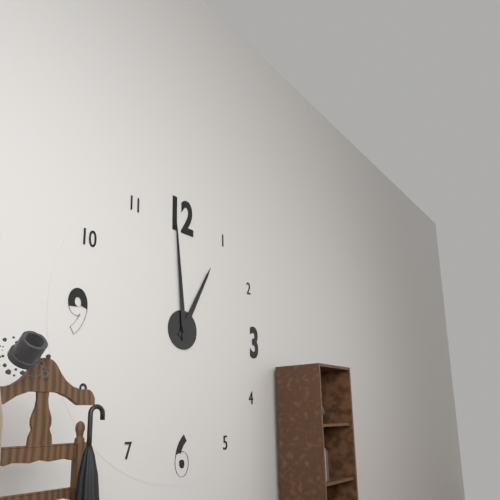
12:59
